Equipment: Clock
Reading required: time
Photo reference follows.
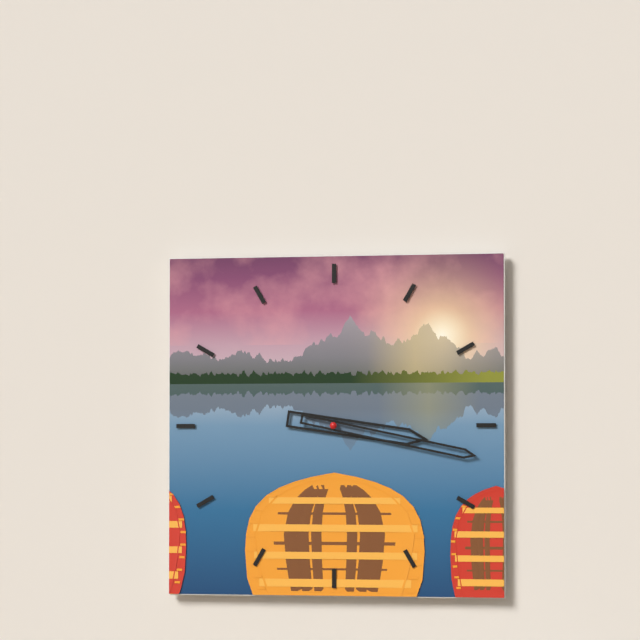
3:17
